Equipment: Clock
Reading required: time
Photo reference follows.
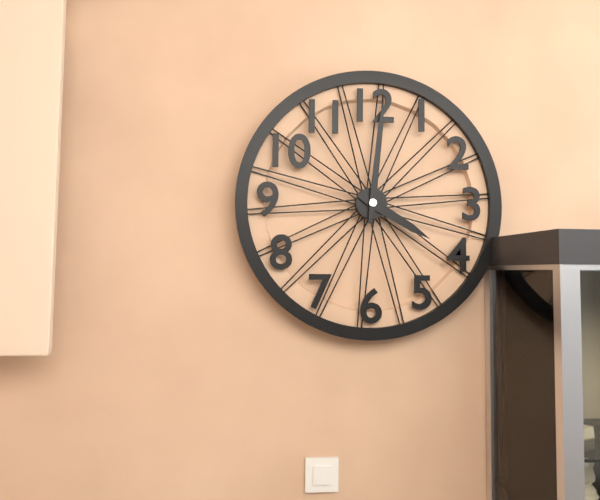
4:01
